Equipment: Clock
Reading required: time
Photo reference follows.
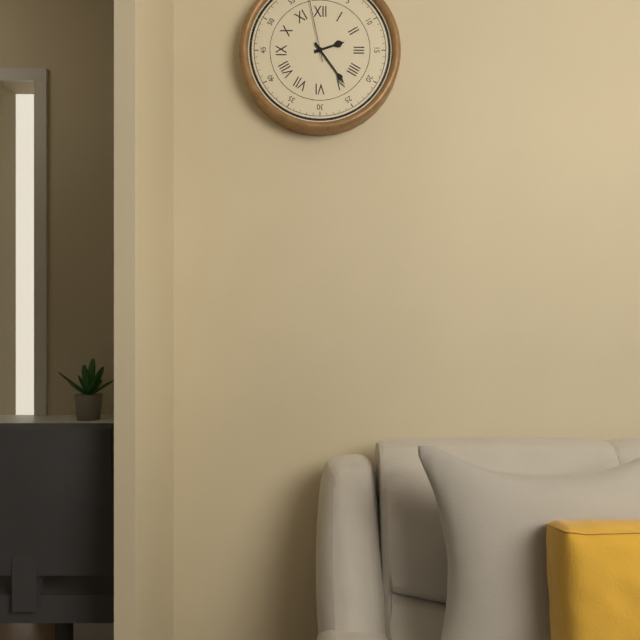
2:24
